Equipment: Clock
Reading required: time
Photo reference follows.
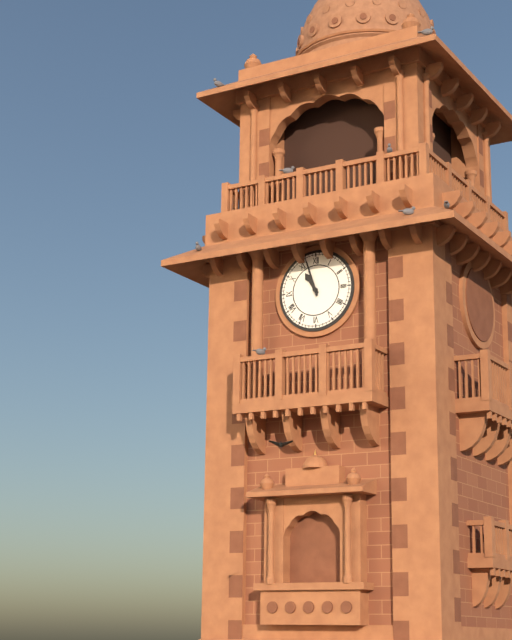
10:57
